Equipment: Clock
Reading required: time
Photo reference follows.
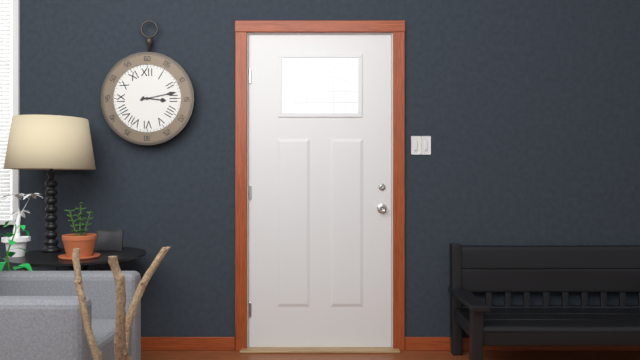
3:13
